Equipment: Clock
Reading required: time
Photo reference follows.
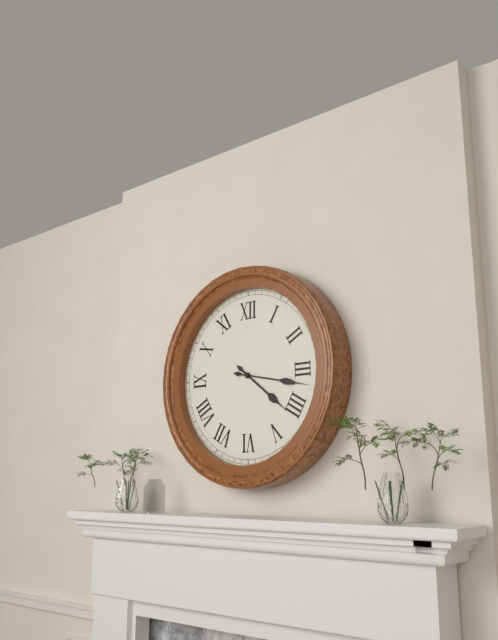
4:17
